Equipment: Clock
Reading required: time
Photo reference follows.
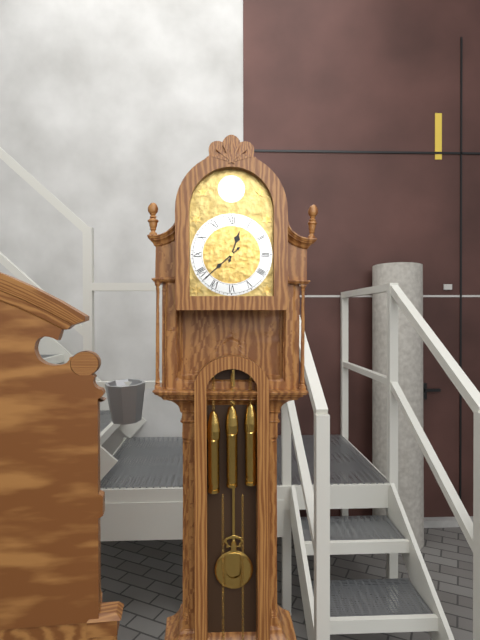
12:38
